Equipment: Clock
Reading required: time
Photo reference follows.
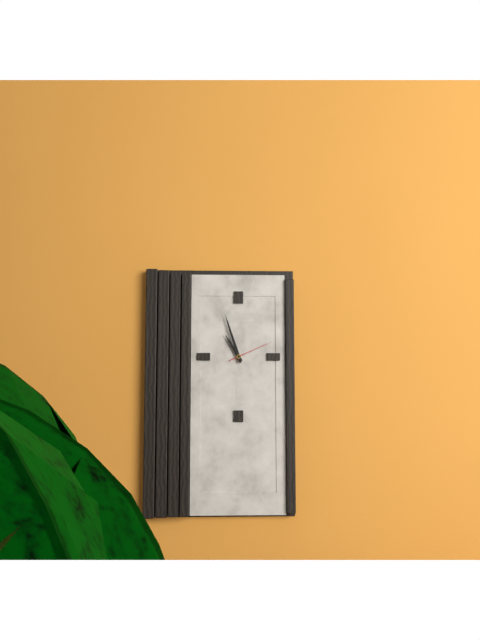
10:57
